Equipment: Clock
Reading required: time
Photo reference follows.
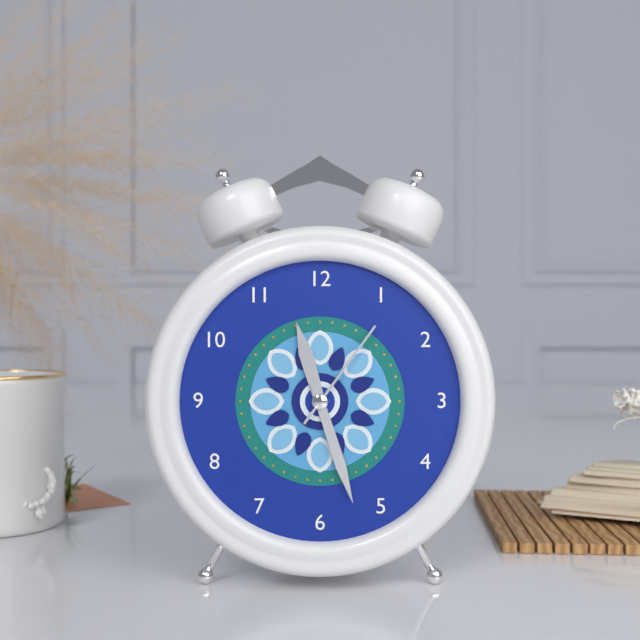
11:27:06
